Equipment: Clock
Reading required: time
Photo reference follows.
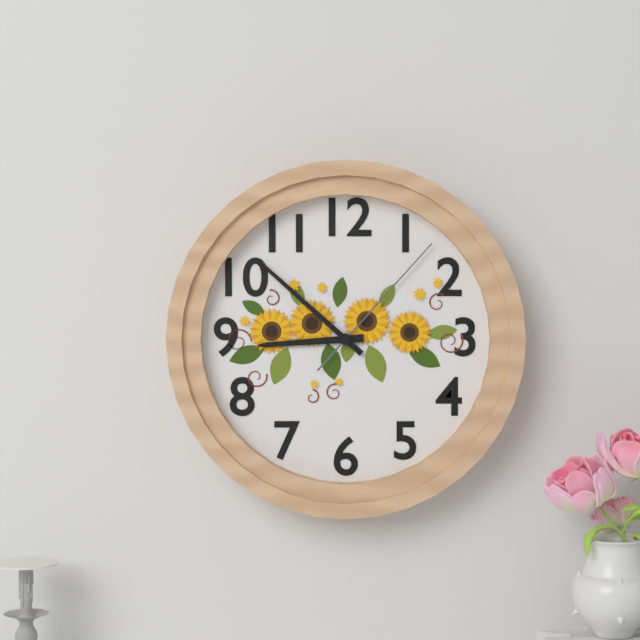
8:52:07
